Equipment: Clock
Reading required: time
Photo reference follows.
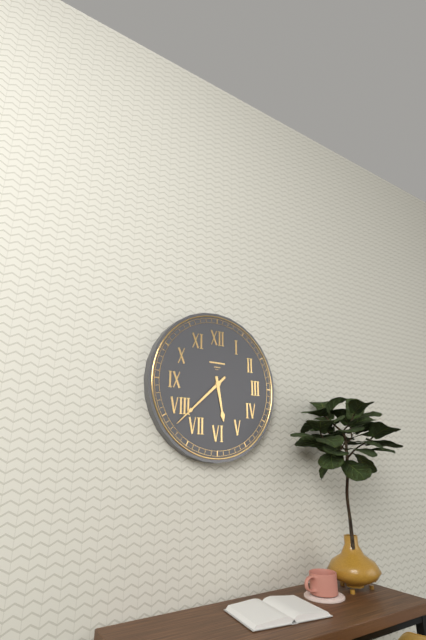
5:38
